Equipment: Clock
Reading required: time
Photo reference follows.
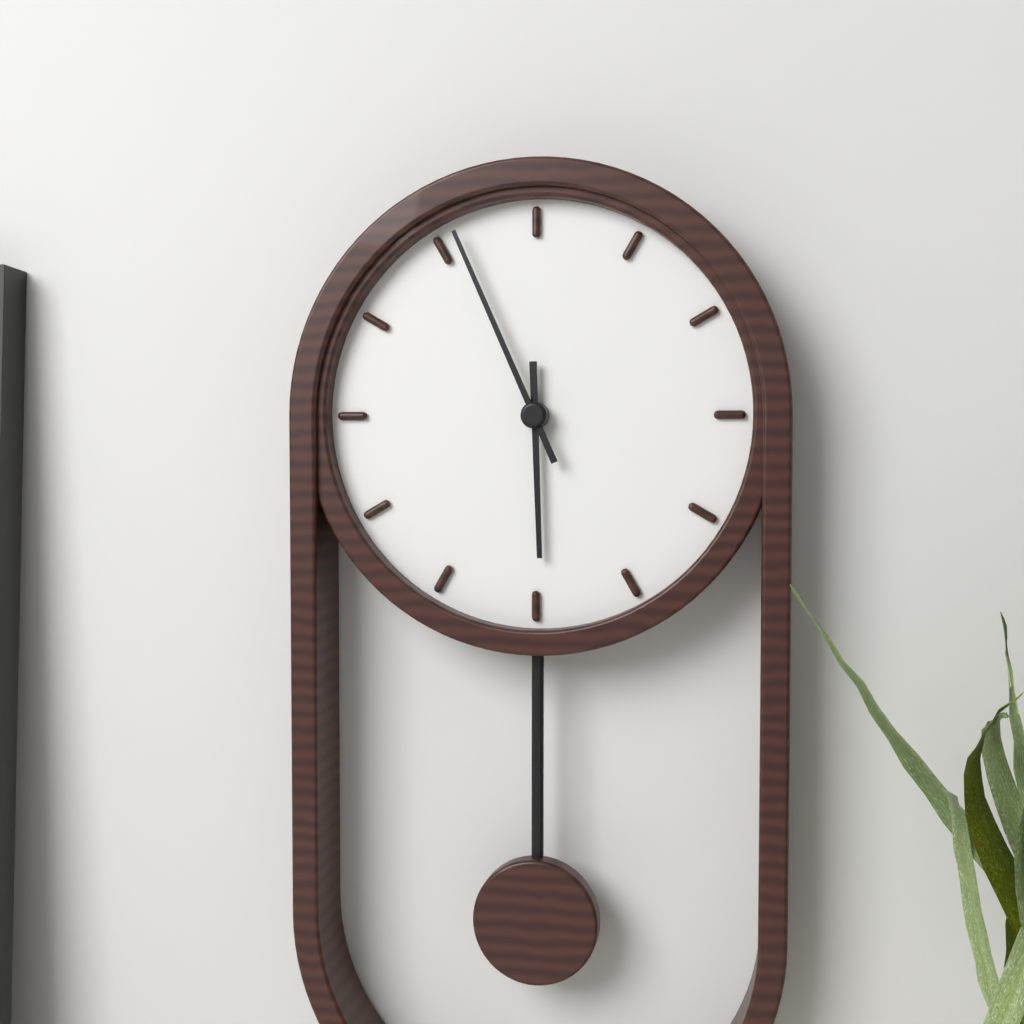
5:56
